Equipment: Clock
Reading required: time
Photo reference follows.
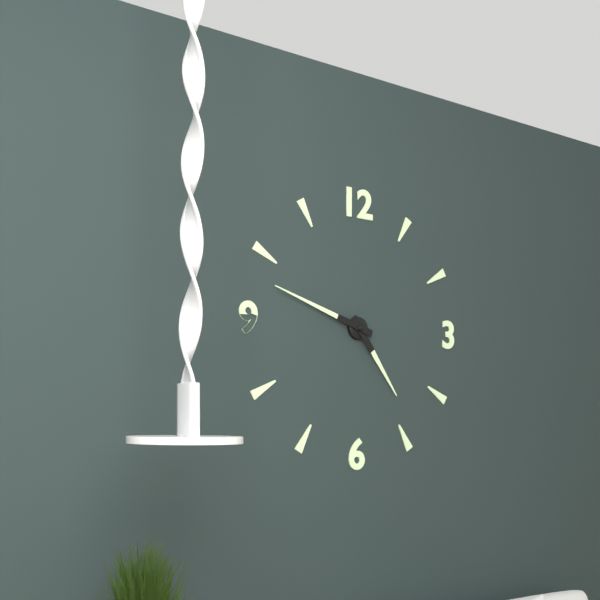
4:48
